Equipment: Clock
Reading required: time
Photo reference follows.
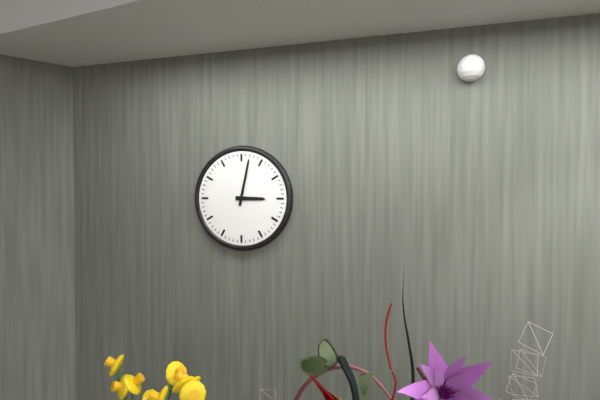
3:02
